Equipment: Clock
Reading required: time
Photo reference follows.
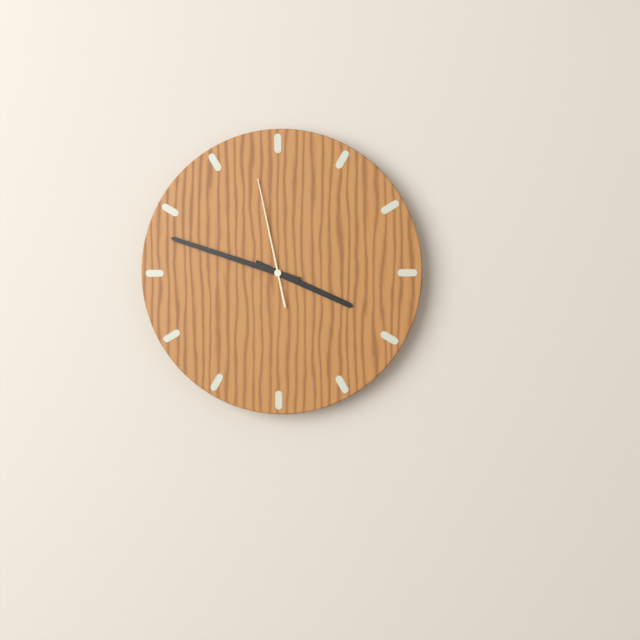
3:48:58
